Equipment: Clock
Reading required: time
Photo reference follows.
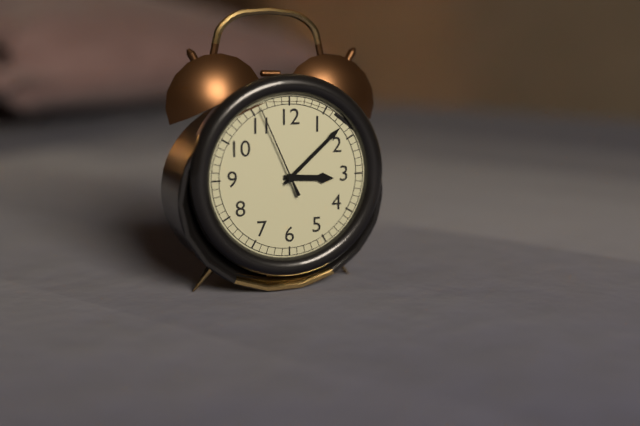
3:08:56
